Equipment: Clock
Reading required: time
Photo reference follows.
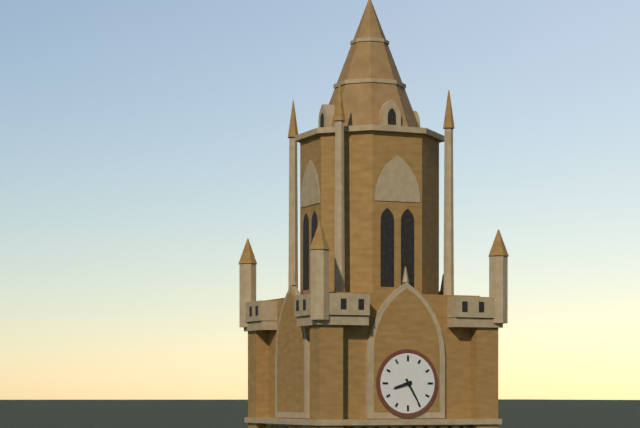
8:25
